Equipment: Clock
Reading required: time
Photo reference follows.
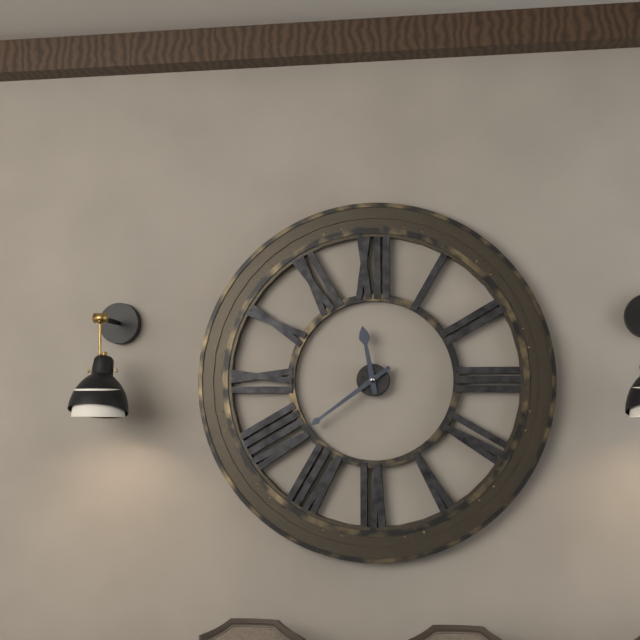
11:39
